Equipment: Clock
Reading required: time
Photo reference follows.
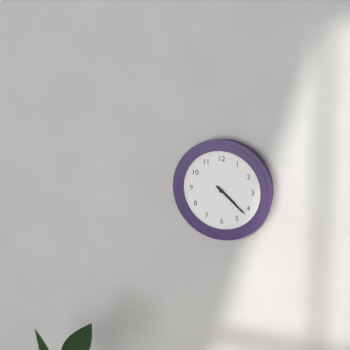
4:22
